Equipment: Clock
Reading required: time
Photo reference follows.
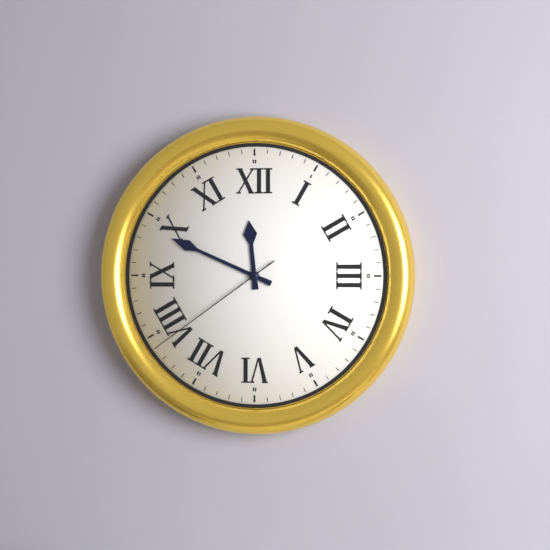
11:49:39
